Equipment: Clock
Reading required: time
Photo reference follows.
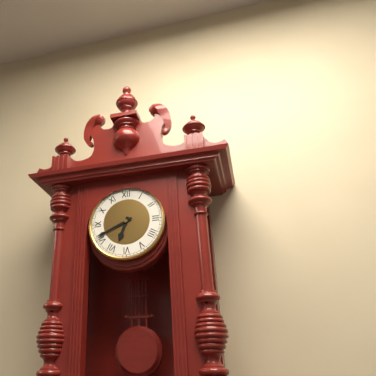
6:41
